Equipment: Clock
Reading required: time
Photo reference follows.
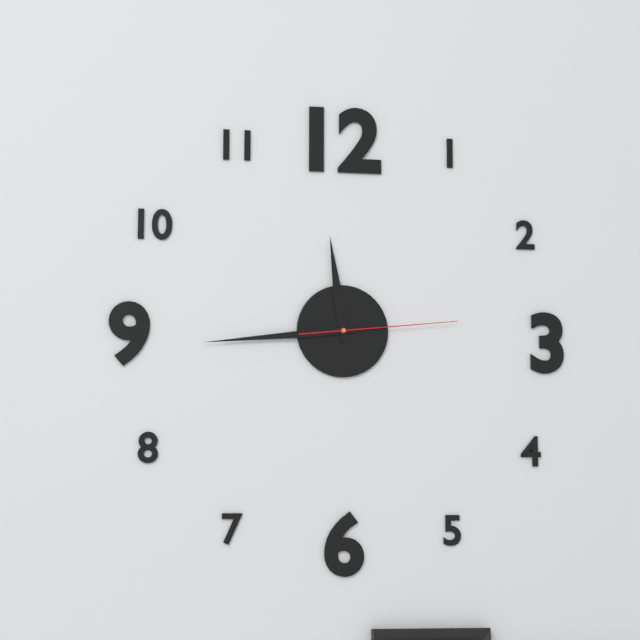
11:44:14
